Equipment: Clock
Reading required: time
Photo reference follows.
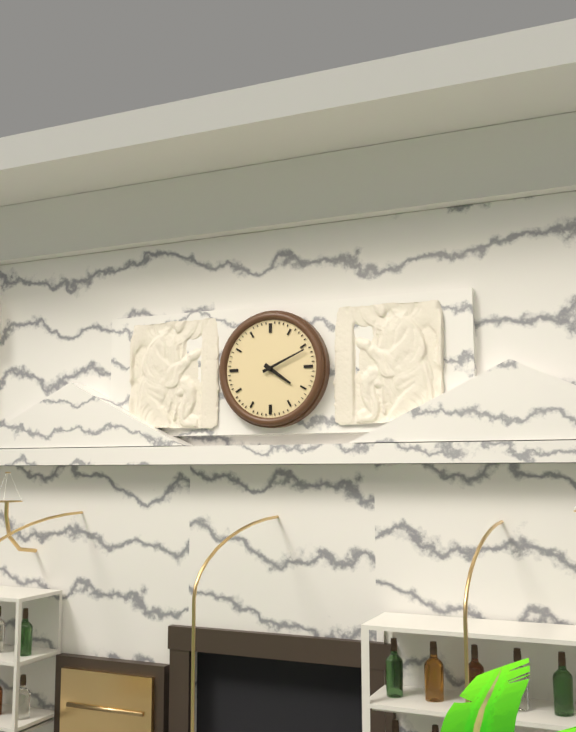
4:11
